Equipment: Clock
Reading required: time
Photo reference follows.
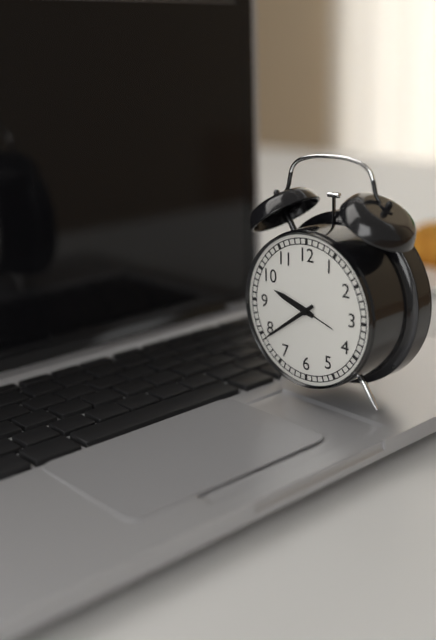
9:39
